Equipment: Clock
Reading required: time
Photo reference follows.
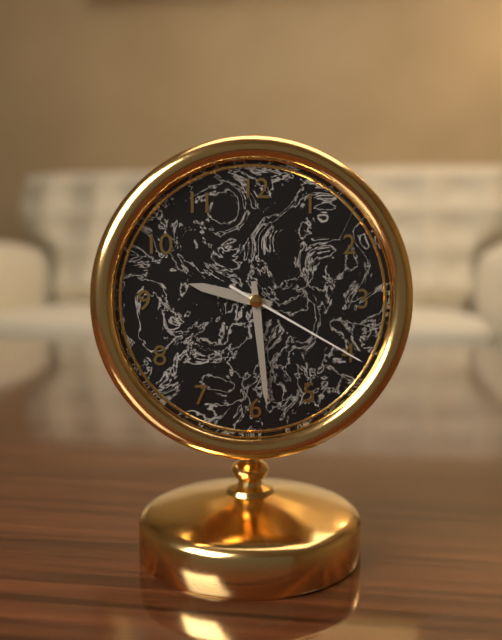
9:29:20
